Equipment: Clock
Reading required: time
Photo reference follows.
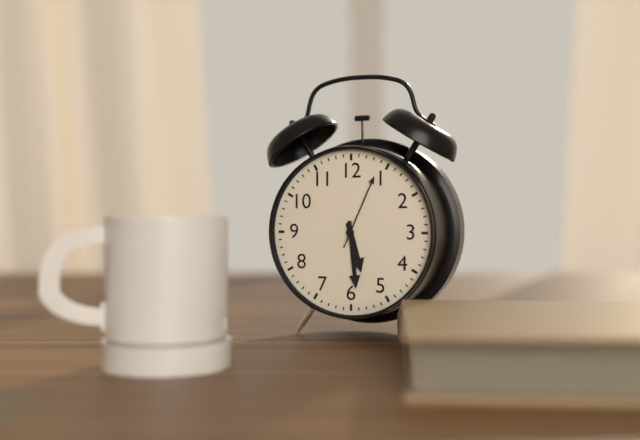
5:29:04
